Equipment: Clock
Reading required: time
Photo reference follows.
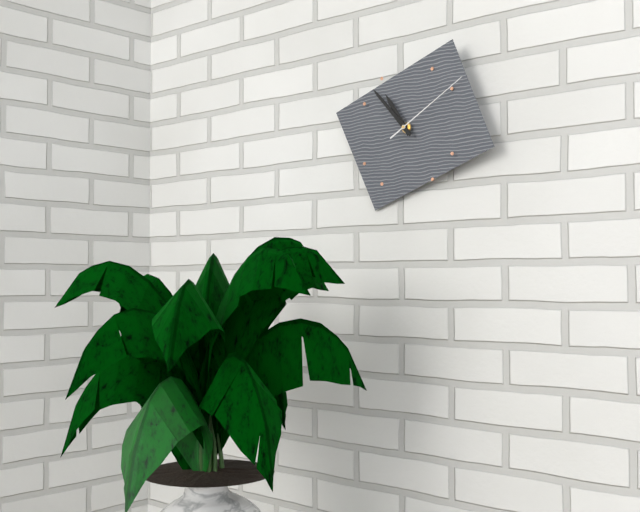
10:53:10
